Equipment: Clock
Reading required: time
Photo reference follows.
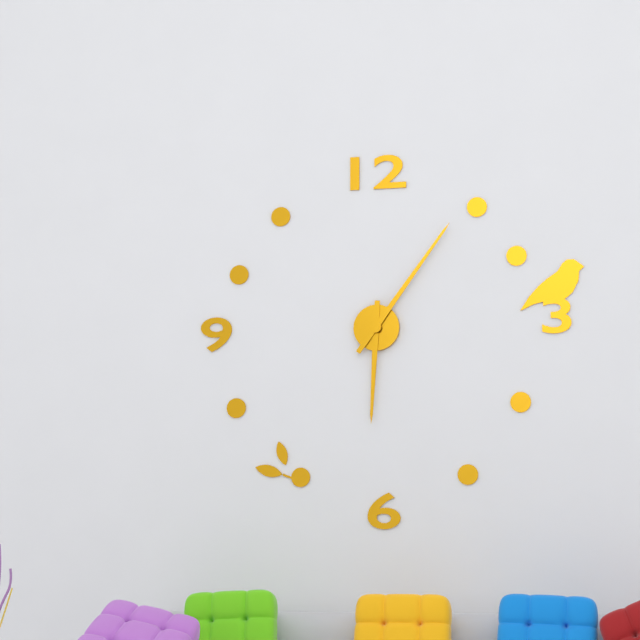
6:06
